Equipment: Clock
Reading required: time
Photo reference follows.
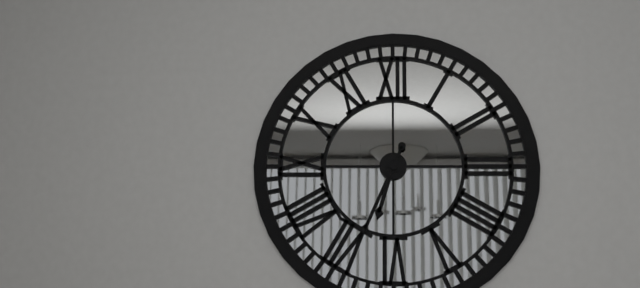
6:34
